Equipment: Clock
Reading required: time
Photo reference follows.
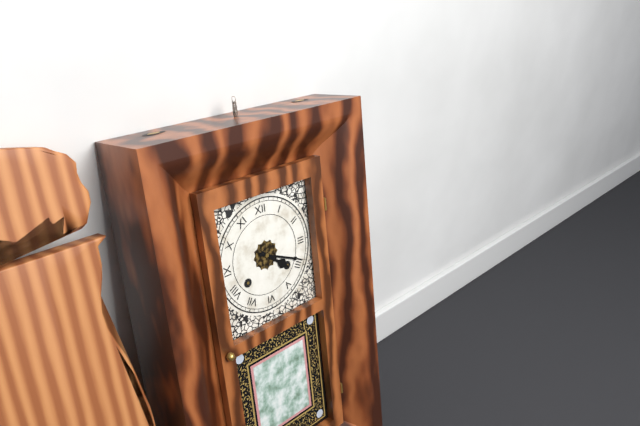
4:19
